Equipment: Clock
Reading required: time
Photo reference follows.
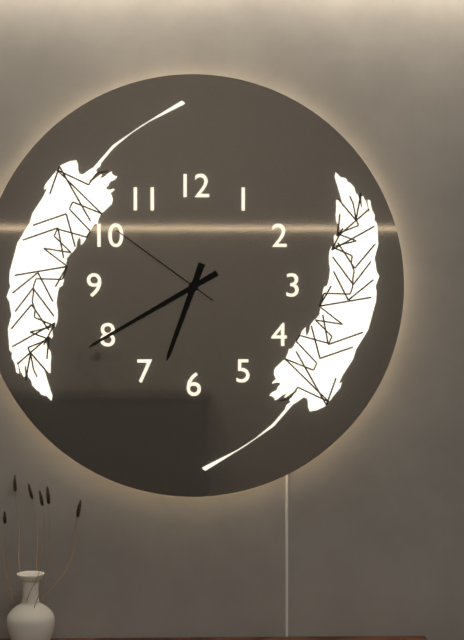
6:40:51
